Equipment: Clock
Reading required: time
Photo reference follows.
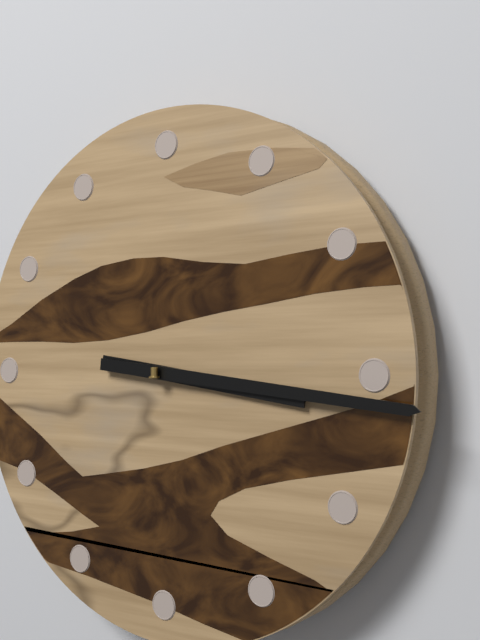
3:16
